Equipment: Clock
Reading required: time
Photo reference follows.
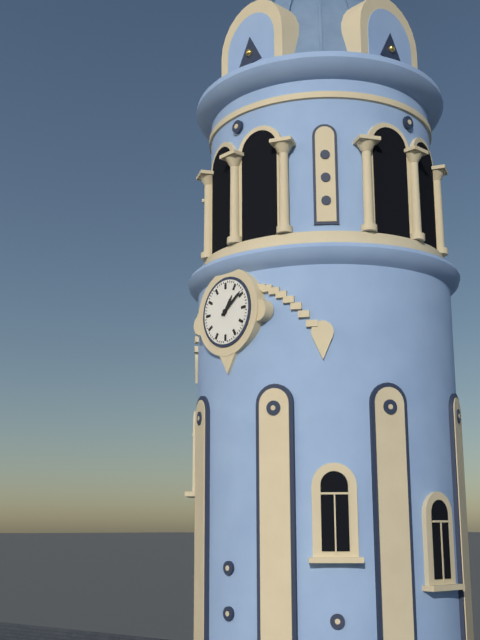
1:09
